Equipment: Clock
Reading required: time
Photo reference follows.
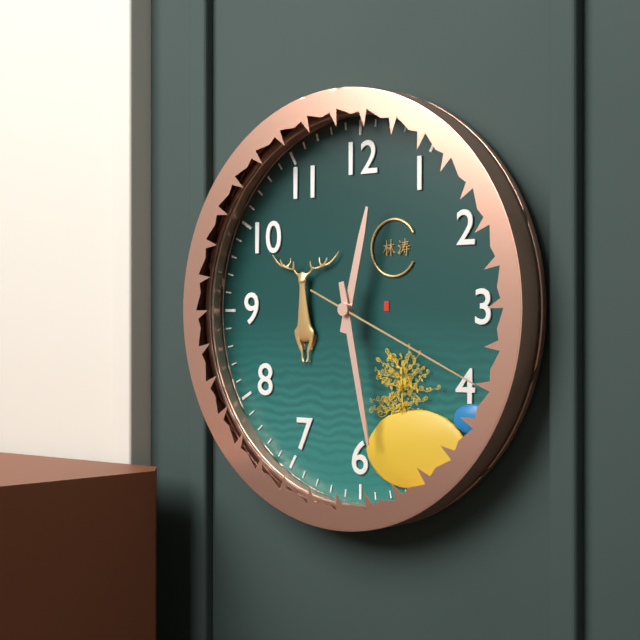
12:28:19
